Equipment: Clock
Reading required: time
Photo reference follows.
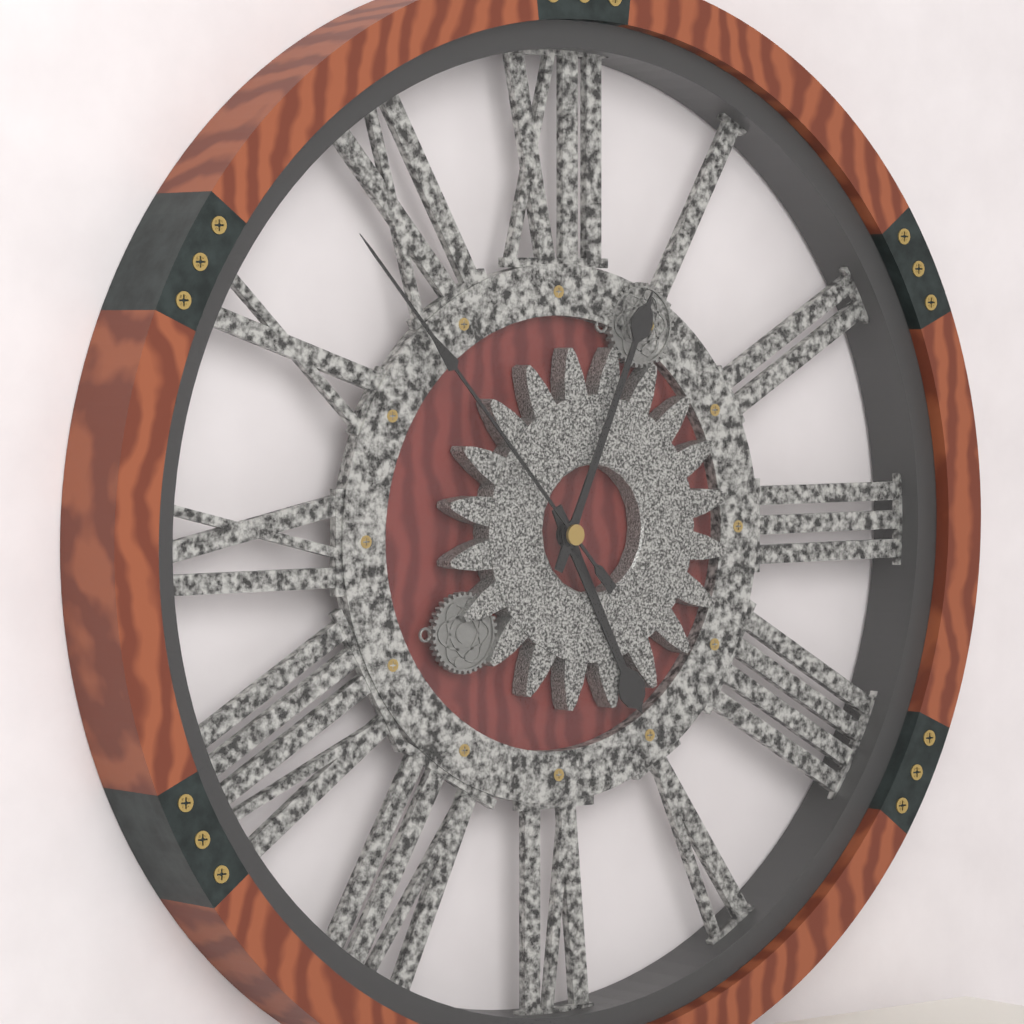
5:04:53
